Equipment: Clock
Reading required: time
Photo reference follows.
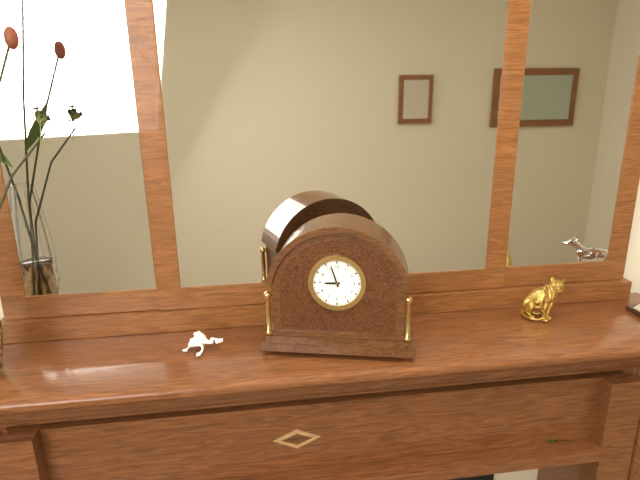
8:57
